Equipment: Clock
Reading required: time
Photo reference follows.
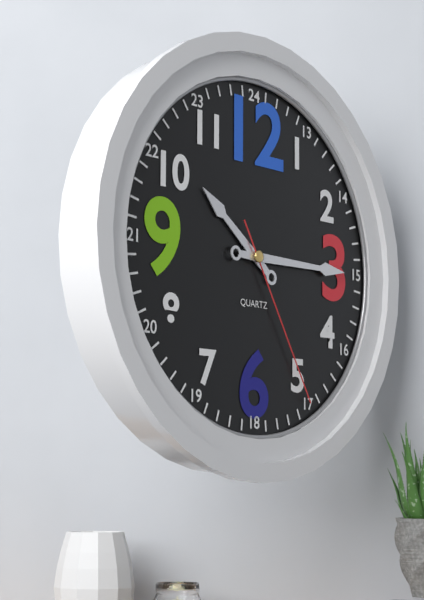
10:15:25
